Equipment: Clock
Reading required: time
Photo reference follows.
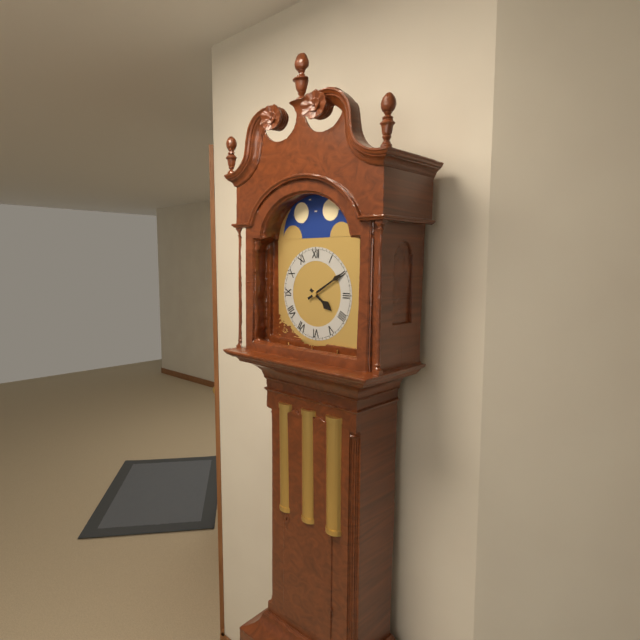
4:10
